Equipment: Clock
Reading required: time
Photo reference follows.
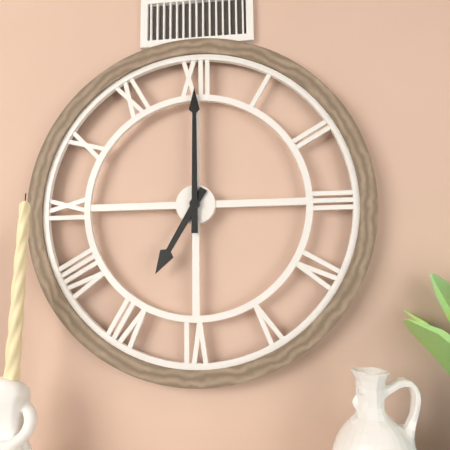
7:00
